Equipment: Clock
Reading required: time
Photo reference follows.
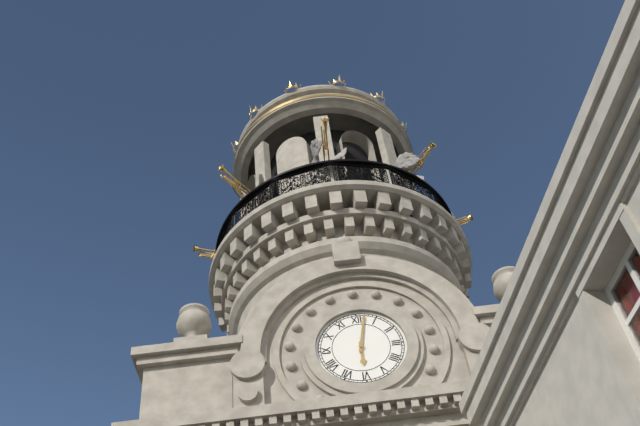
6:02
